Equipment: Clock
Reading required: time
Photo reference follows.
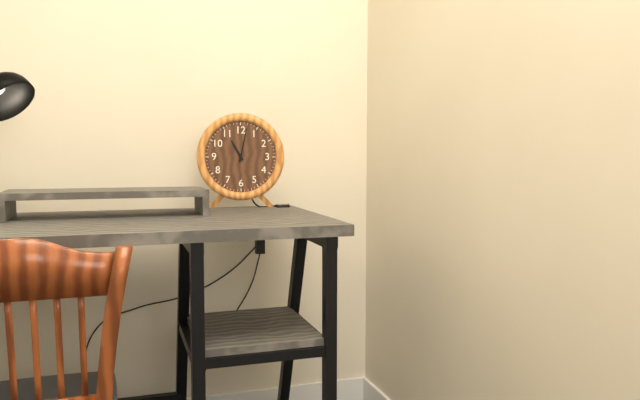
11:02
